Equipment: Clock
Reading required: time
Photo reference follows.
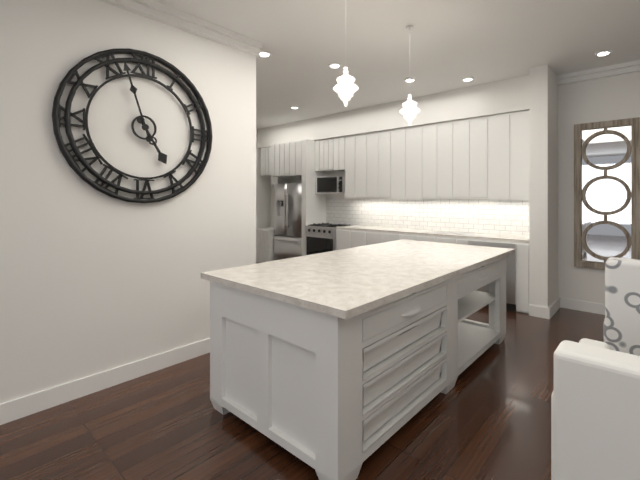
4:57
